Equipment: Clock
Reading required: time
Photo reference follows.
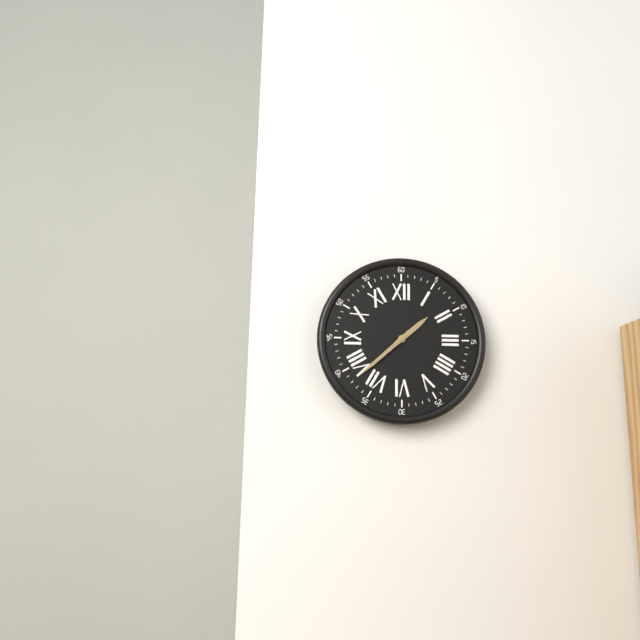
1:38
